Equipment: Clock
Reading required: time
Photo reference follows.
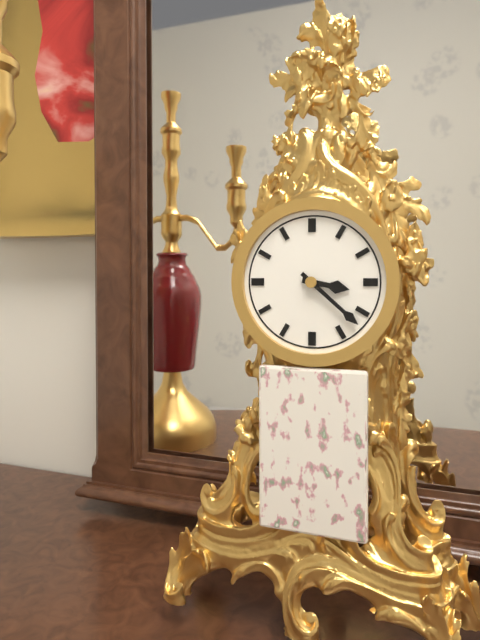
3:22
